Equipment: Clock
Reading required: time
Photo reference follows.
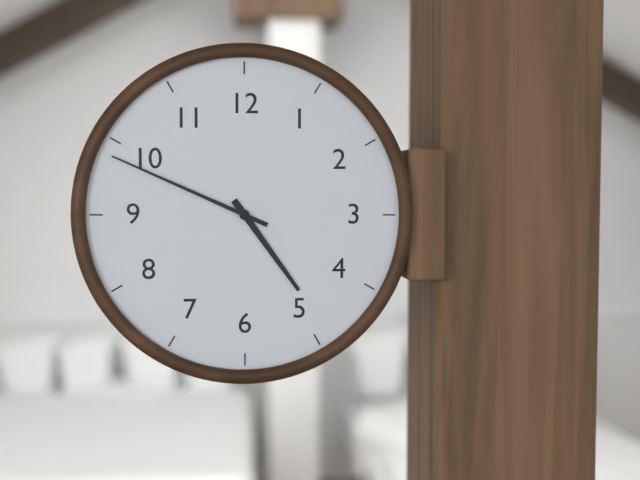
4:49
